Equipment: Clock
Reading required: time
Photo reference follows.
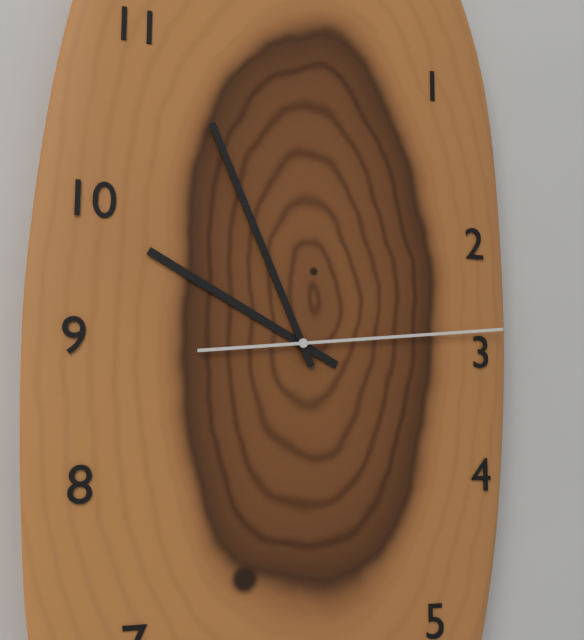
9:56:14
